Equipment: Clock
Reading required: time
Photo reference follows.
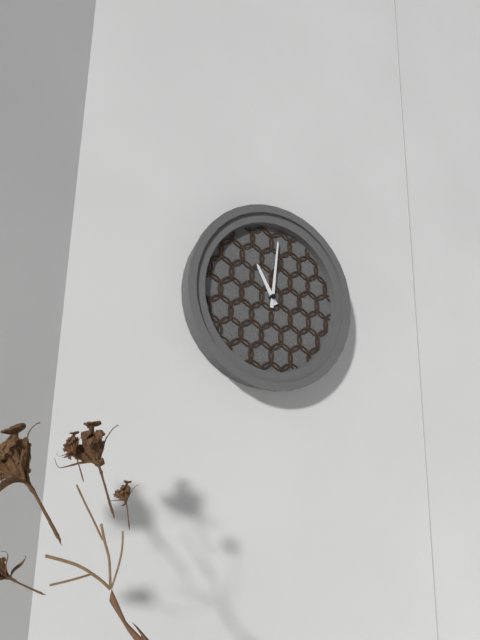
11:01
